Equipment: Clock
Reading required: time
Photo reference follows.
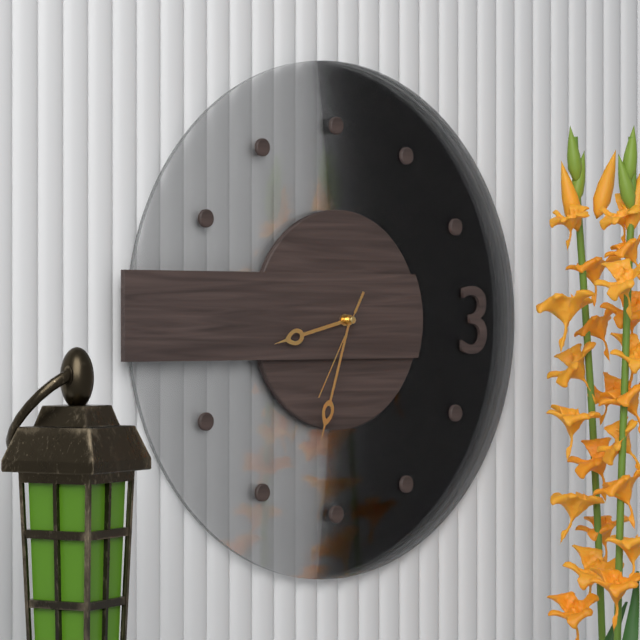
8:33:35
